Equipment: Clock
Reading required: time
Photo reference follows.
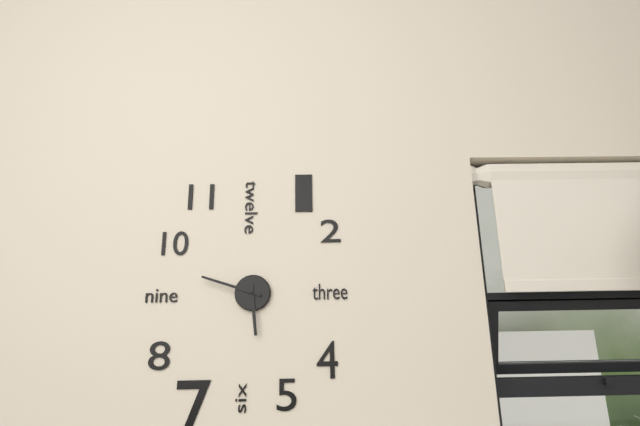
5:48
